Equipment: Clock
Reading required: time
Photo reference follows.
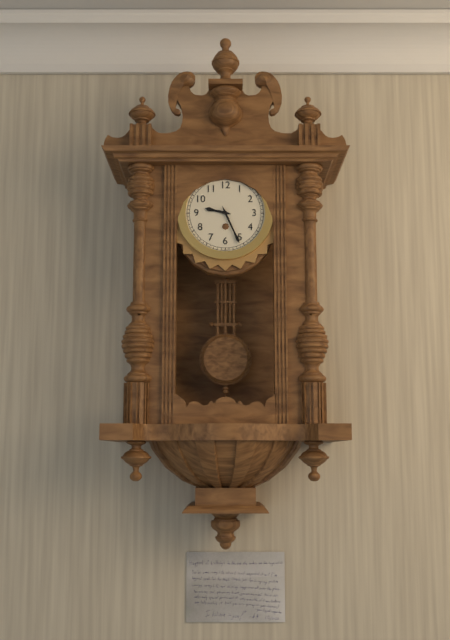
9:26
